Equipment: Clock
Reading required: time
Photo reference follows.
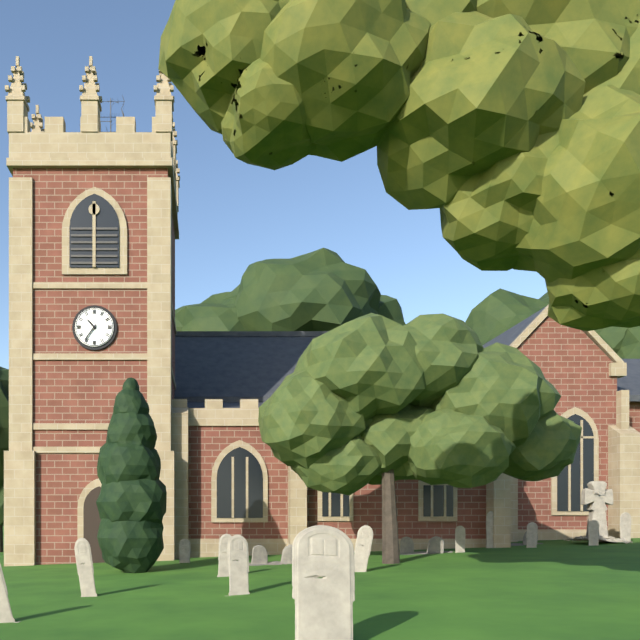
10:36
